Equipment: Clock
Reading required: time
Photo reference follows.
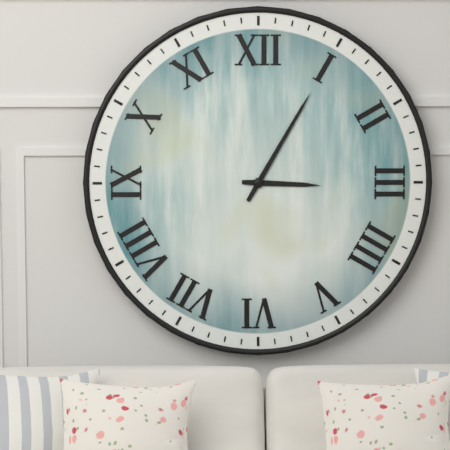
3:05
